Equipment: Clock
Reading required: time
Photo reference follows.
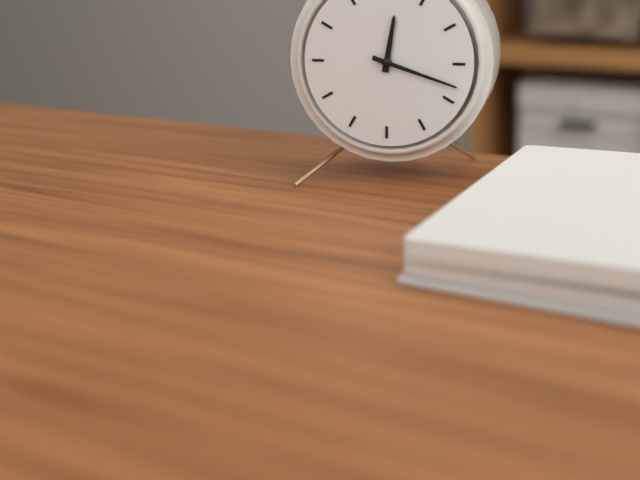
12:18
